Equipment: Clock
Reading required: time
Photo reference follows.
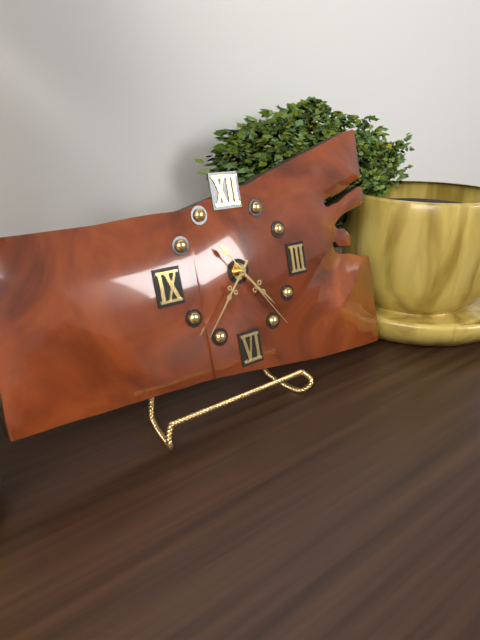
4:37:24
